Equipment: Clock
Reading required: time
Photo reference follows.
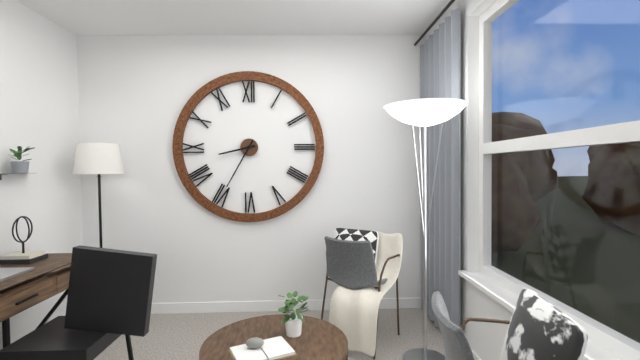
8:35
